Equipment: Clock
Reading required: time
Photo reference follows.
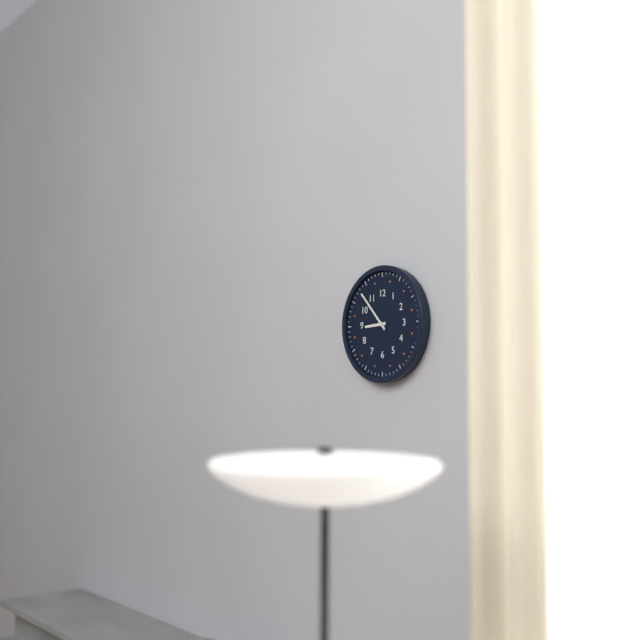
8:53
